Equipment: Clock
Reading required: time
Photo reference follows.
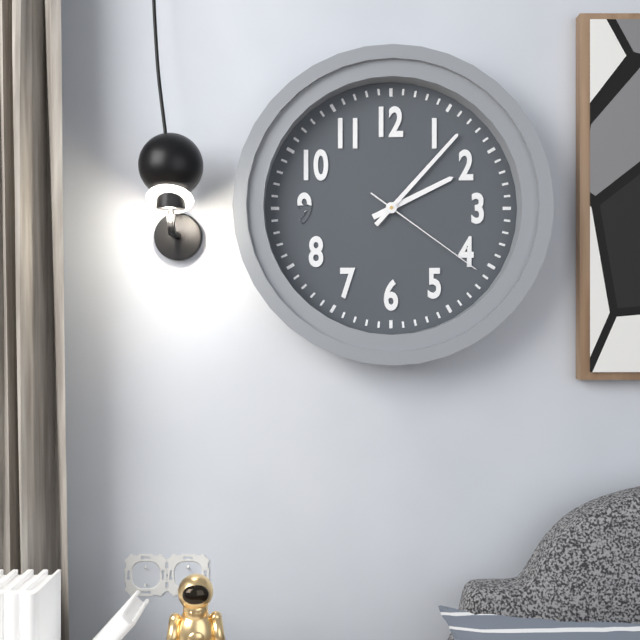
2:07:21
